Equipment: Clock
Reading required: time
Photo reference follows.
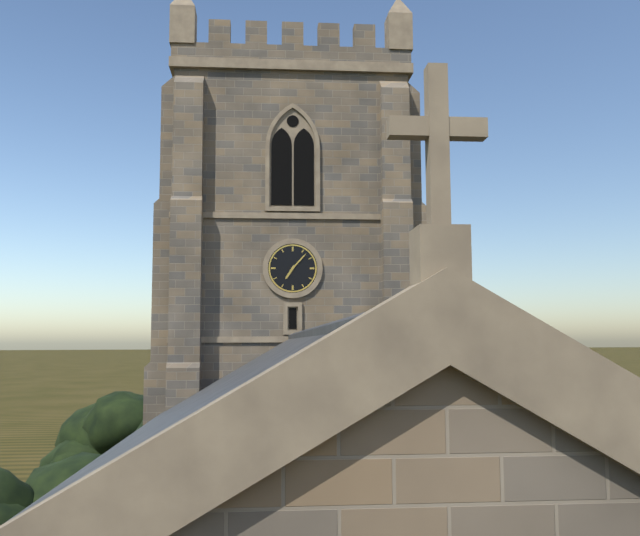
7:07
